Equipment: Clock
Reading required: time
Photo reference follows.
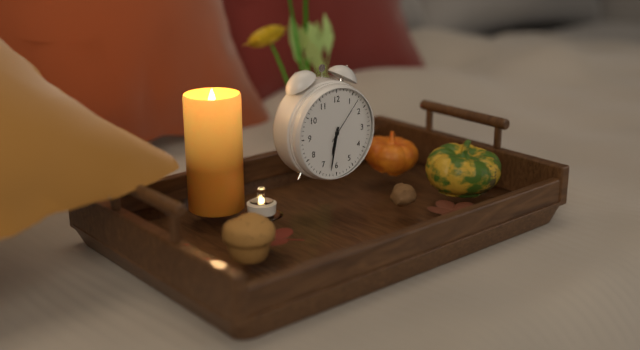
6:32
